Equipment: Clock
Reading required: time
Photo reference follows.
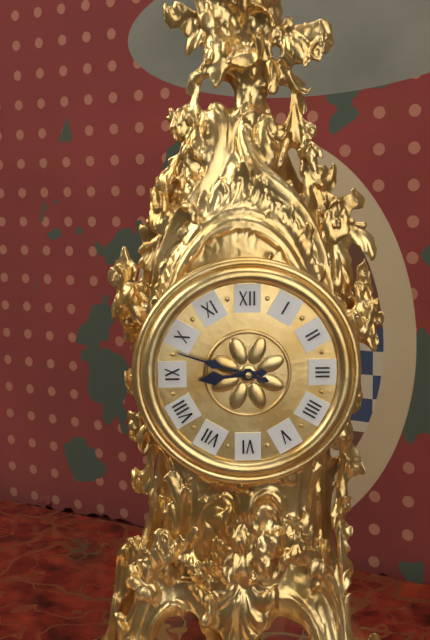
8:48
